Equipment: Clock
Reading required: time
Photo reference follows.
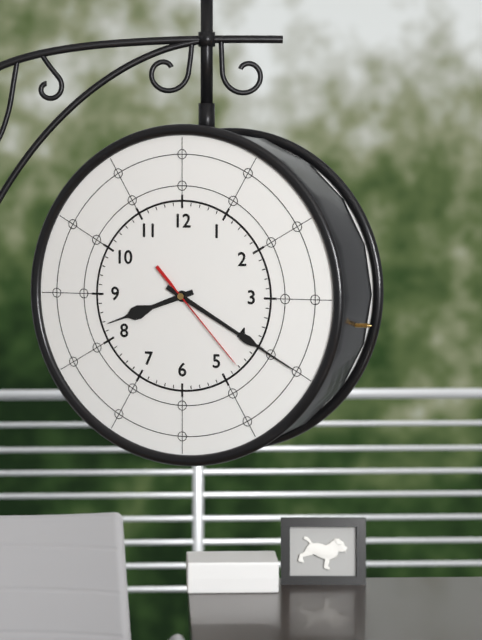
8:20:23
